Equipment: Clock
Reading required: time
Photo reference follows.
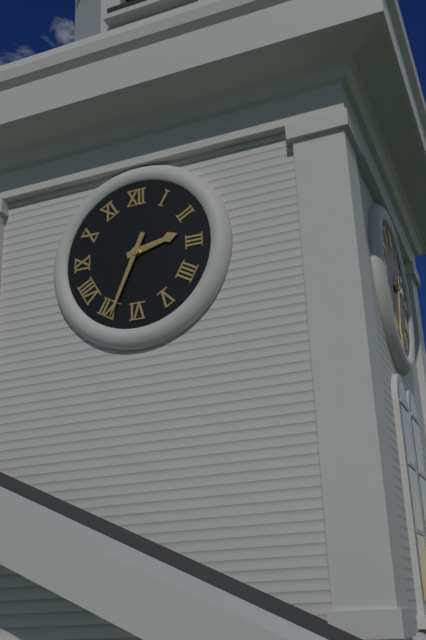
2:34
